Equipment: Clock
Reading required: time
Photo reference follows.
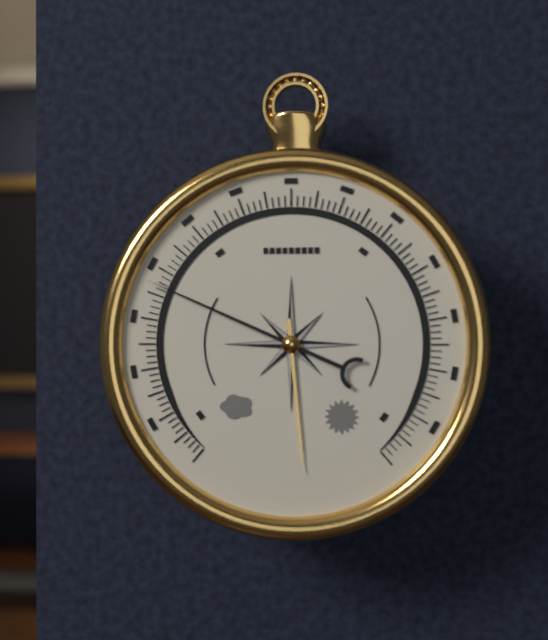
5:49
